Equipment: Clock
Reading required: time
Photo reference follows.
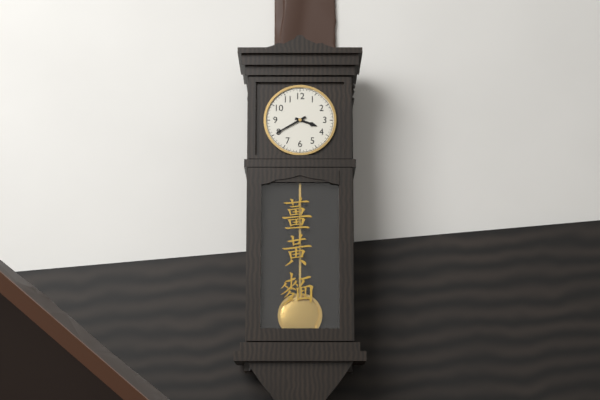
3:40
